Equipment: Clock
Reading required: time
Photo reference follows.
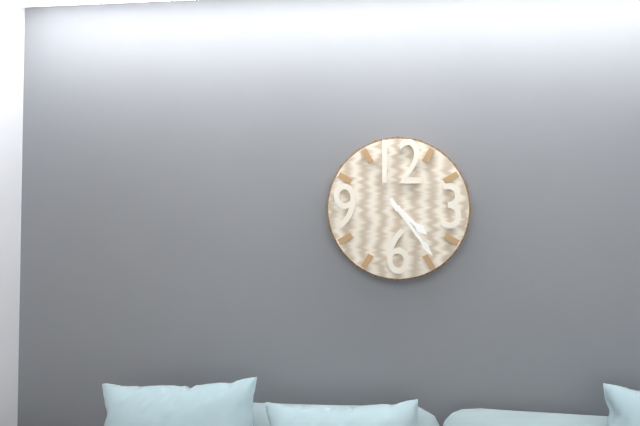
4:24
